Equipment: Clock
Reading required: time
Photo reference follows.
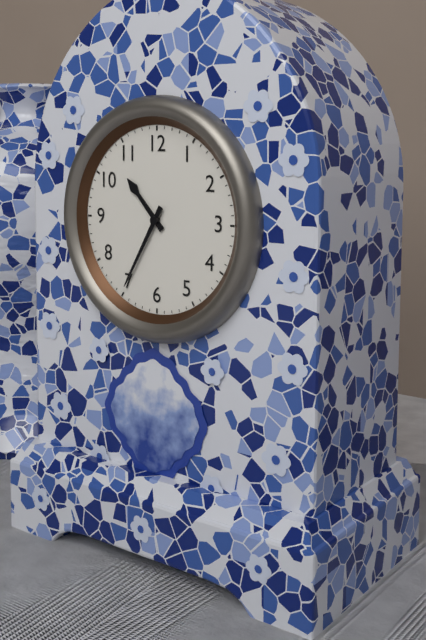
10:35
